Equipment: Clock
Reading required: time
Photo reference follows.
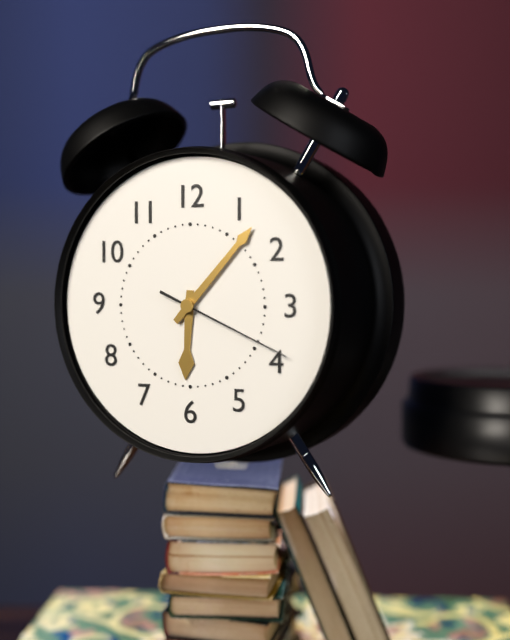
6:07:19
